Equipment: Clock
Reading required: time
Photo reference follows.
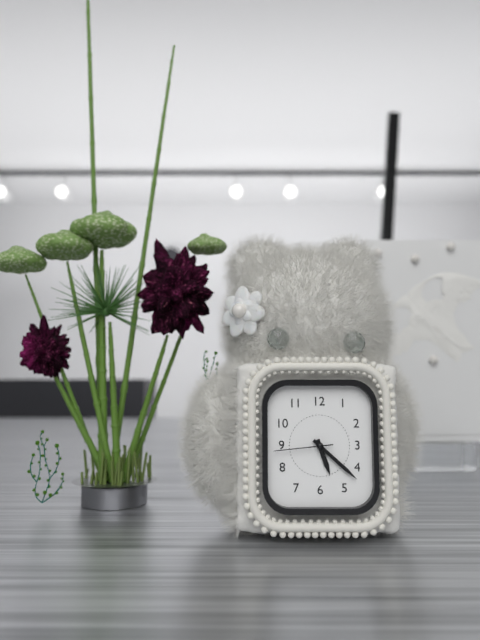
5:22:44
